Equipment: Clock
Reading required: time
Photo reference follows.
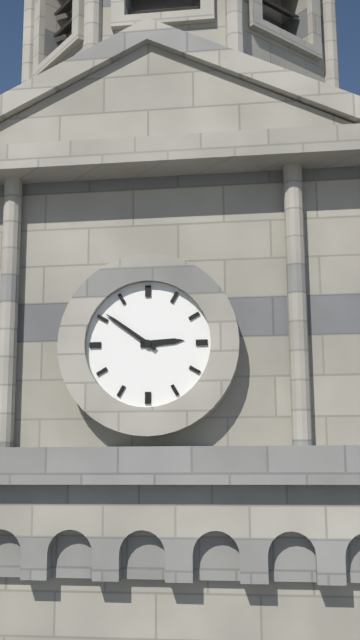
2:51
